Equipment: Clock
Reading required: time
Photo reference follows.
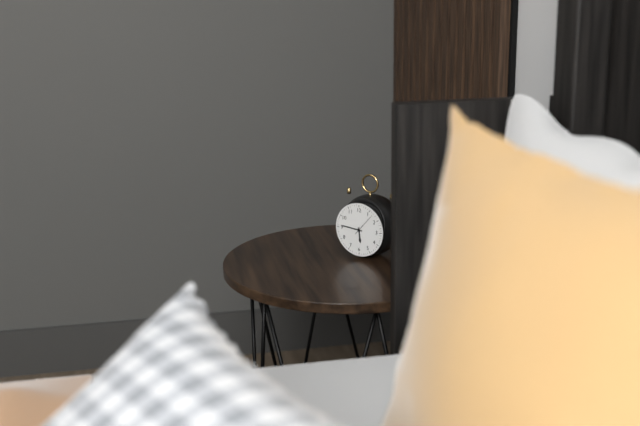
5:46
